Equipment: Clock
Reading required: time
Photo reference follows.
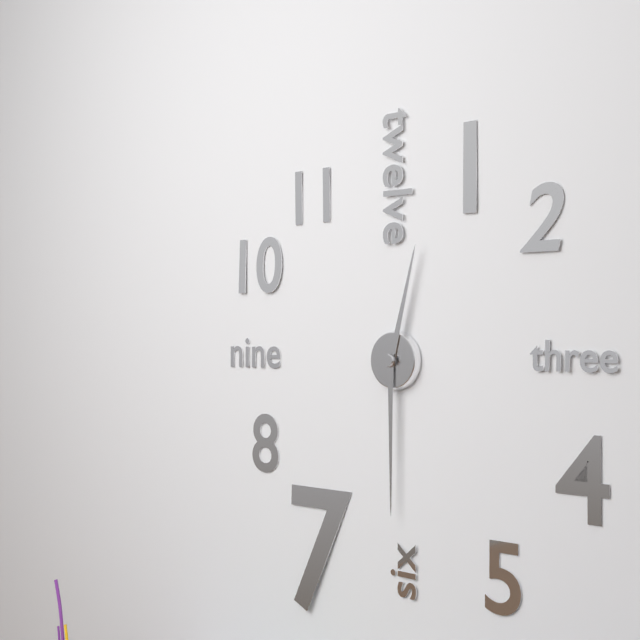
12:30
